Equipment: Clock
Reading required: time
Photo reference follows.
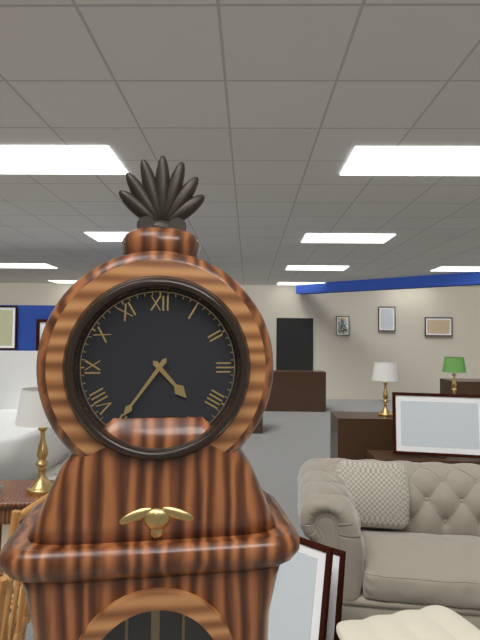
4:36
